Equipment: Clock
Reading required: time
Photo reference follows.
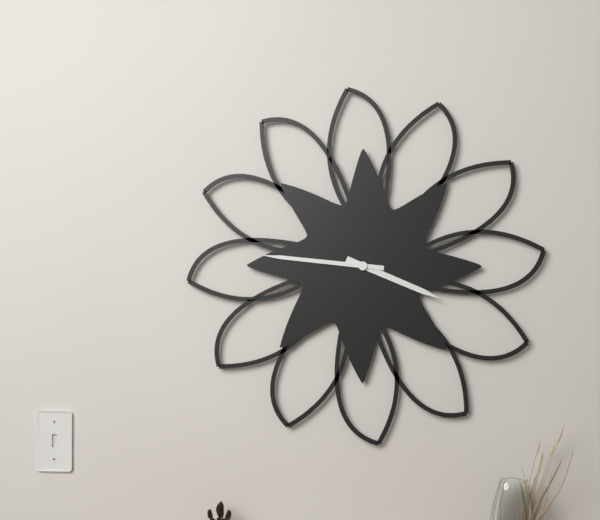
3:46
